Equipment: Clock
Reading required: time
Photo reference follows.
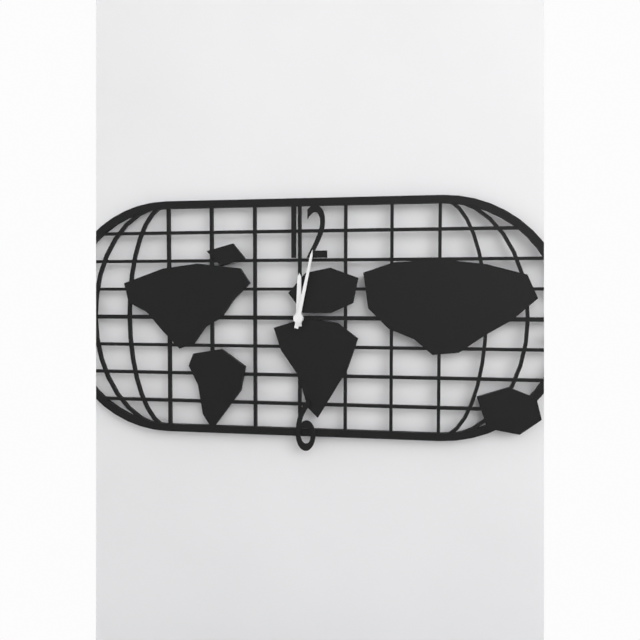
12:02
